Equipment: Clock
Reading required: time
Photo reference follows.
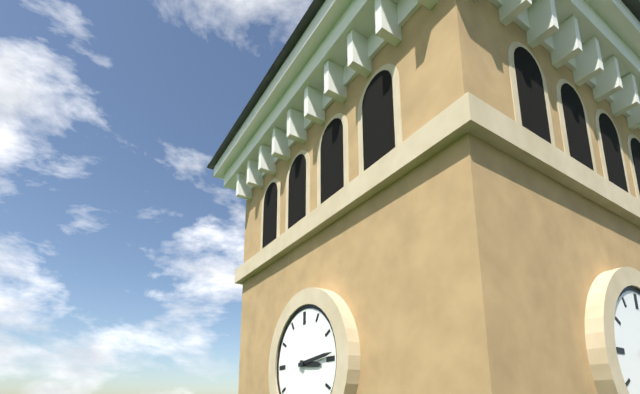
3:14
